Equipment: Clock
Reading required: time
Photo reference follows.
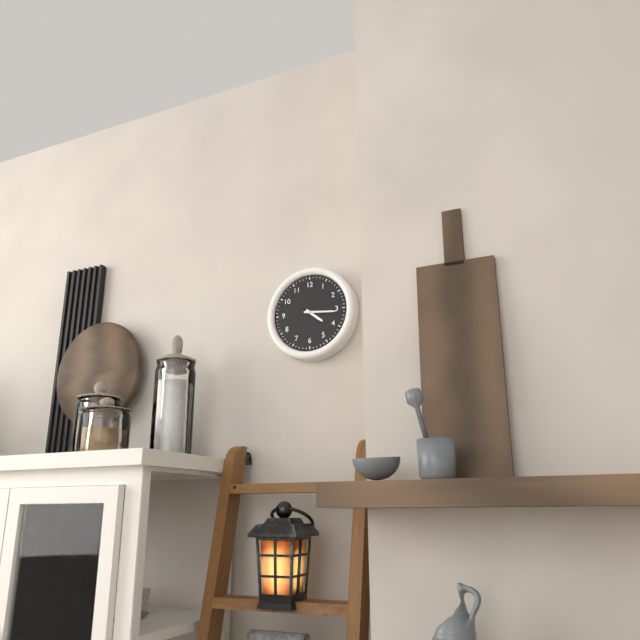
4:16
